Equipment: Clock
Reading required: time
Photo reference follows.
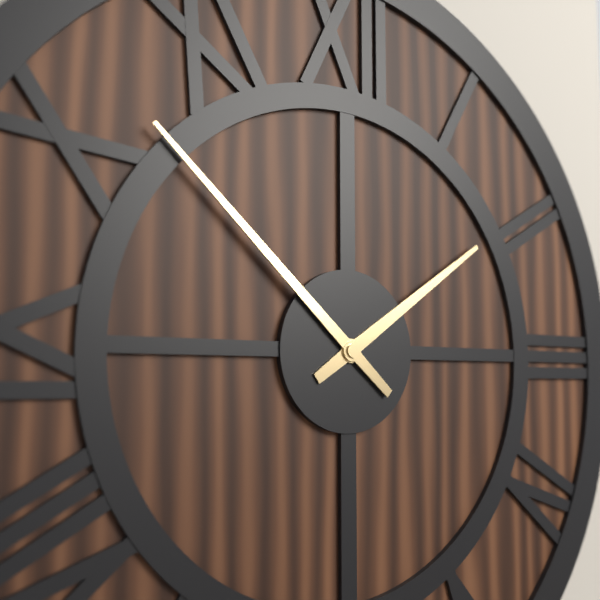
1:52
